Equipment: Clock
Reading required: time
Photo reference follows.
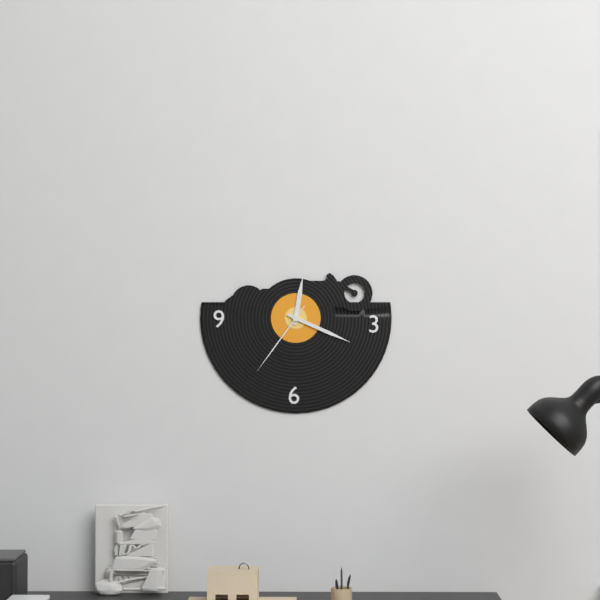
12:19:36
